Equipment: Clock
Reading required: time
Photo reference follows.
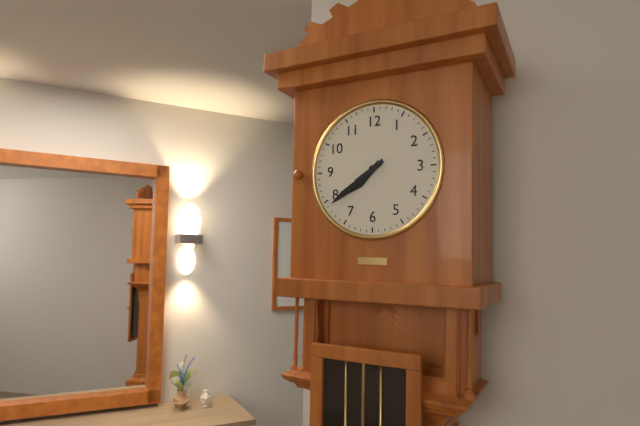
7:39
